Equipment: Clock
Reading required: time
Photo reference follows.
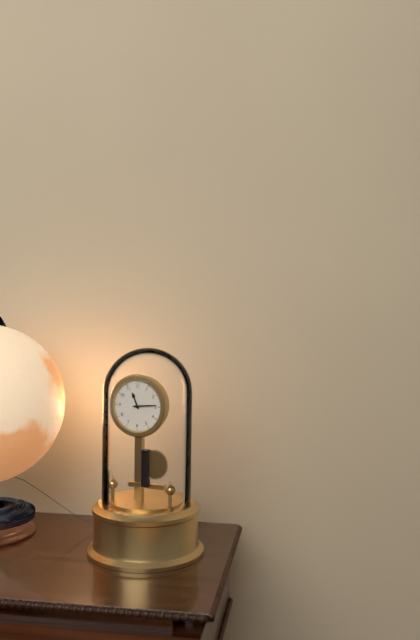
11:14
